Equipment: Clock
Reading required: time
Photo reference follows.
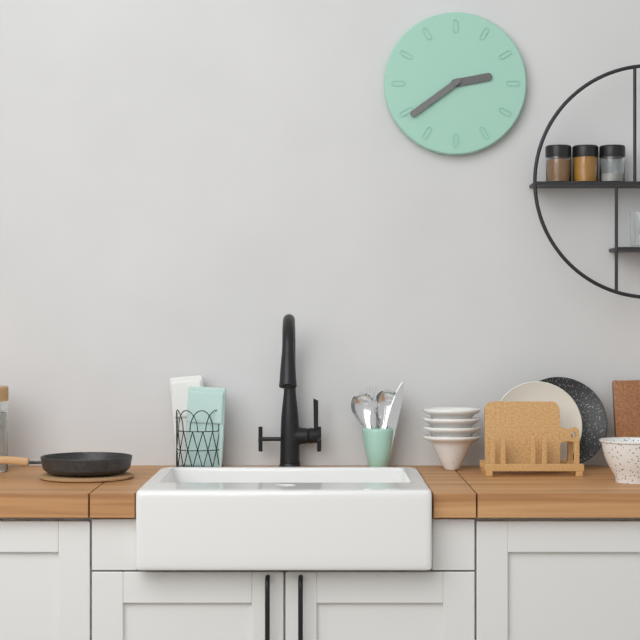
2:39
